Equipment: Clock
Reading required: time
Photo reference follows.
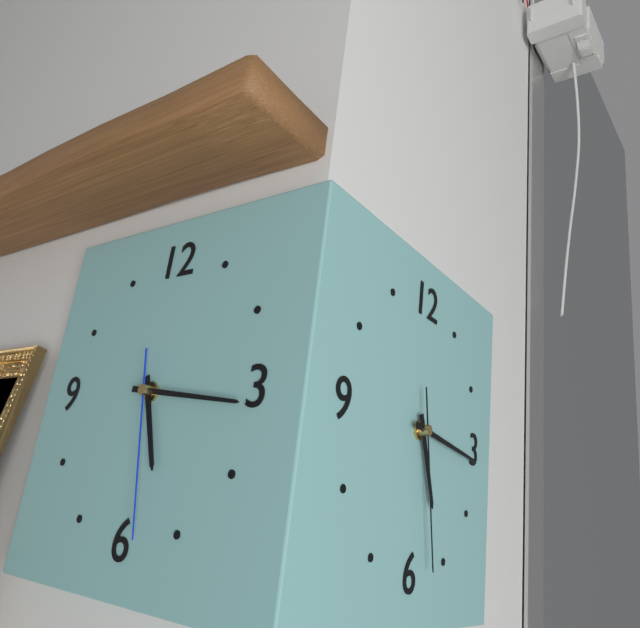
5:16:28
